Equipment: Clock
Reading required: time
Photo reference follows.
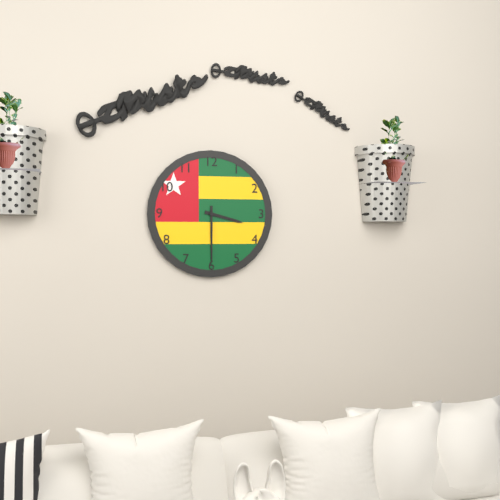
3:30
